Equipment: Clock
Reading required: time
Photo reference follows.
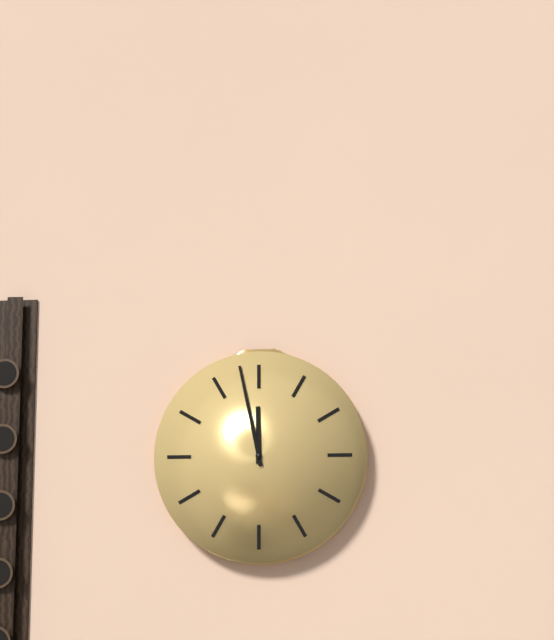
11:58
